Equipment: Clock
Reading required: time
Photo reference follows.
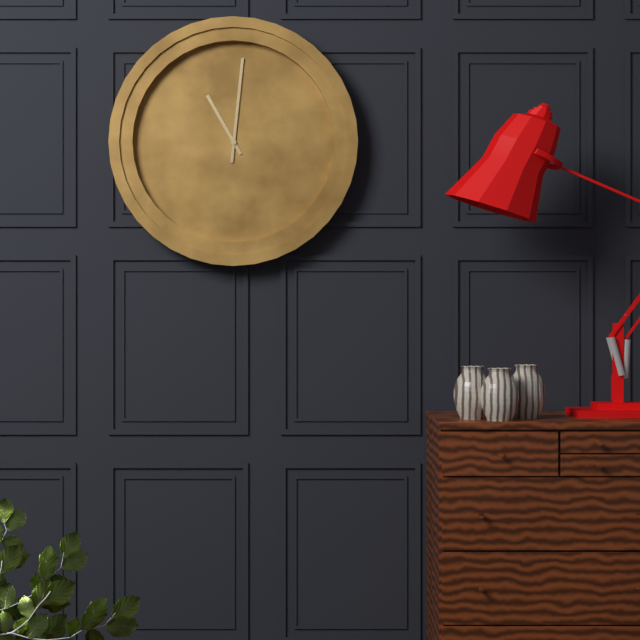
11:01
